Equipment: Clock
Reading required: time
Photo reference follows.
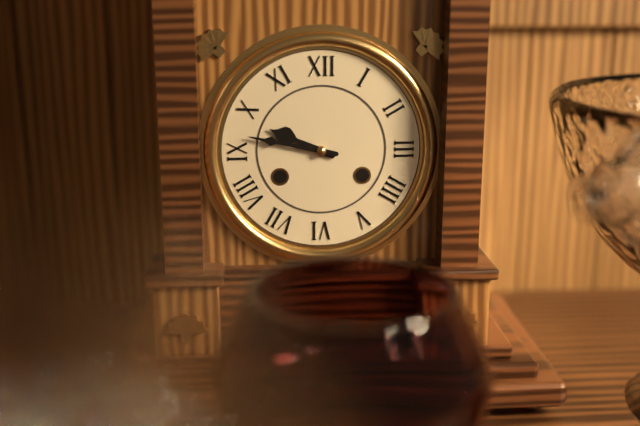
9:47
